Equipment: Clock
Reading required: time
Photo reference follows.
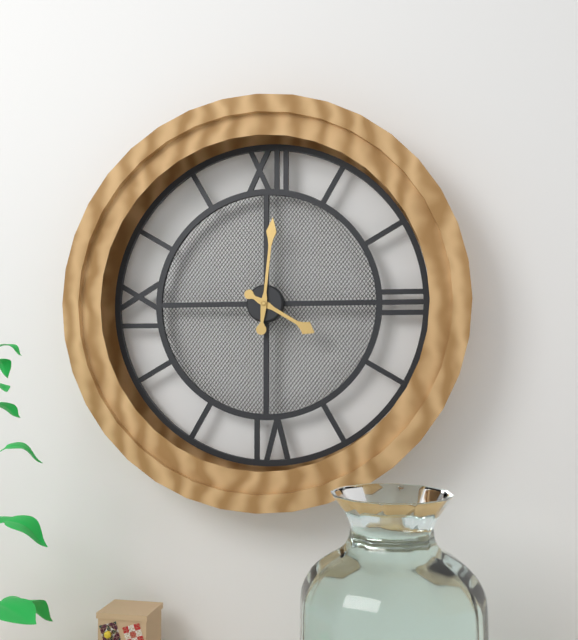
4:01
